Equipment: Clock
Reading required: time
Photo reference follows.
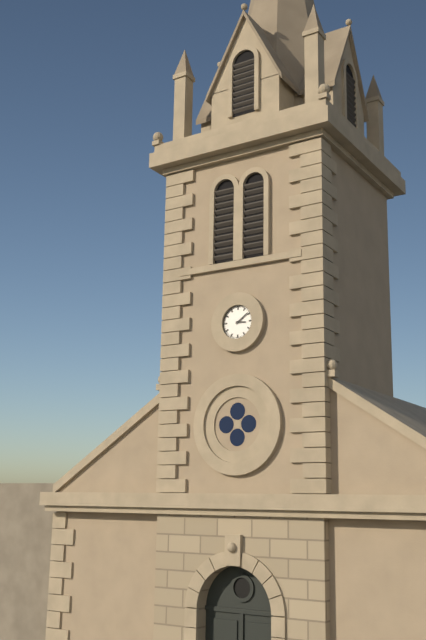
3:09
